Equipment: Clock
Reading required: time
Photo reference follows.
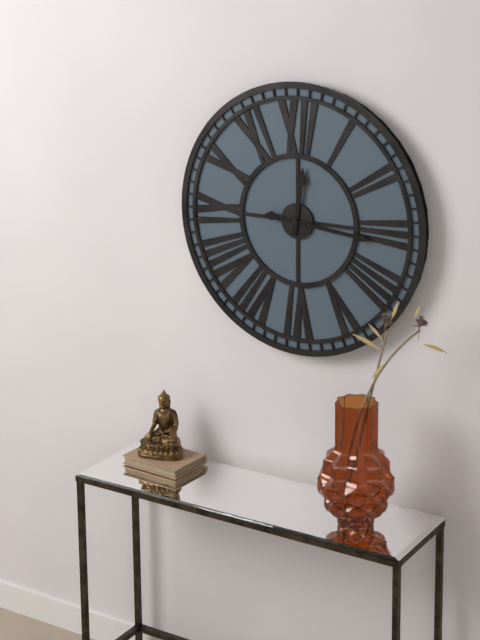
12:16
